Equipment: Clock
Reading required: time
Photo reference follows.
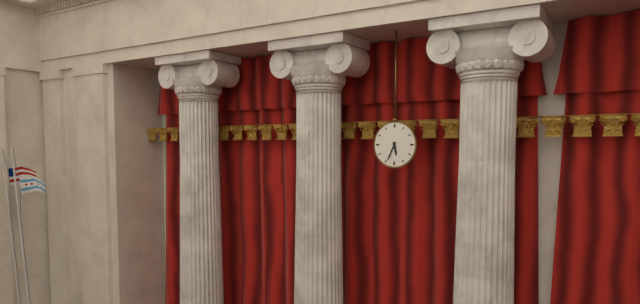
5:34
